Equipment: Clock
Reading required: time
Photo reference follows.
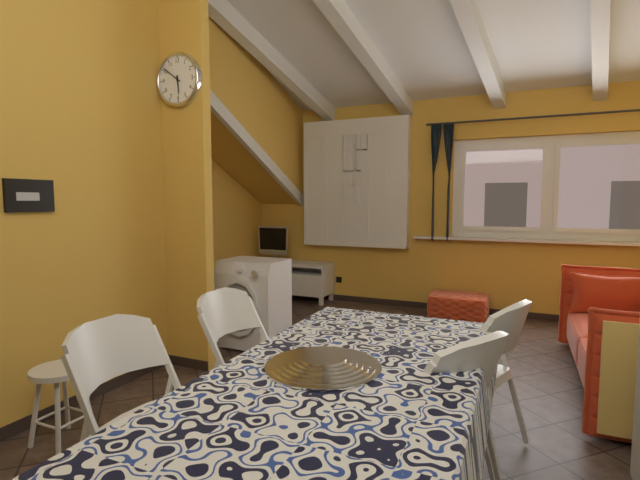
5:51
